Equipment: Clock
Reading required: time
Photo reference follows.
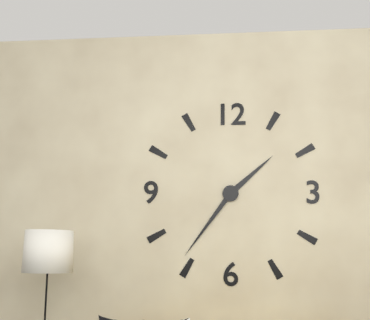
1:36
